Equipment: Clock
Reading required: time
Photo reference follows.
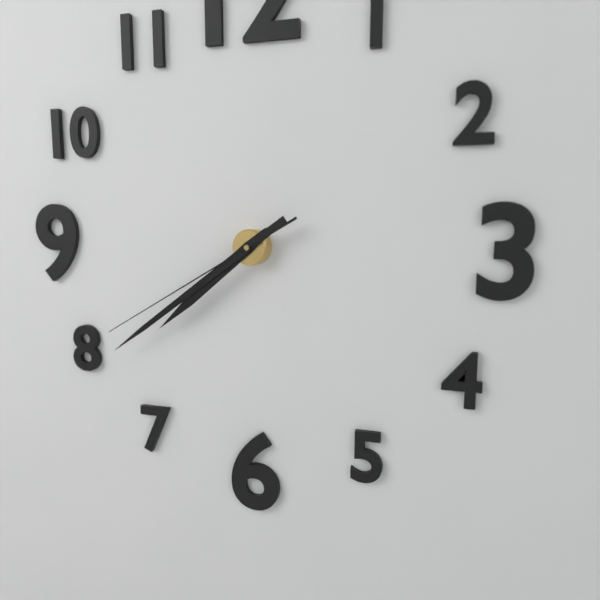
7:39:40
